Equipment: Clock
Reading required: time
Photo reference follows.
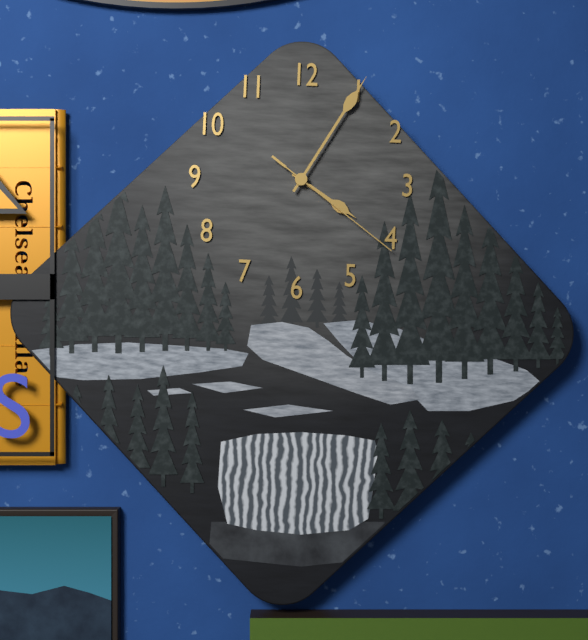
4:05:21
